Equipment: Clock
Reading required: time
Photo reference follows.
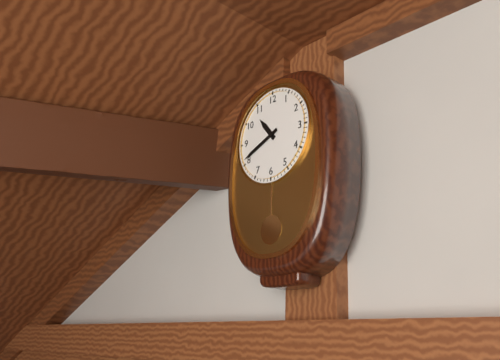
10:41
